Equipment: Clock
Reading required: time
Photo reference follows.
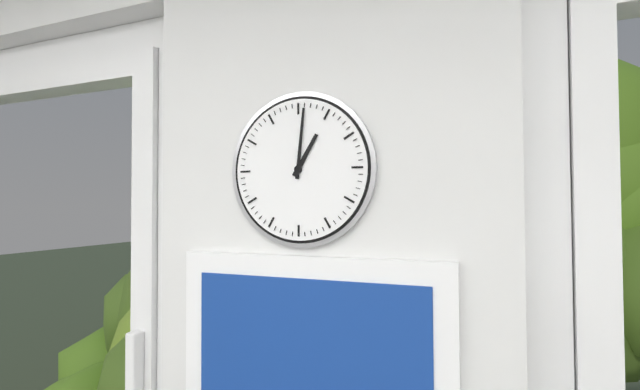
1:01
